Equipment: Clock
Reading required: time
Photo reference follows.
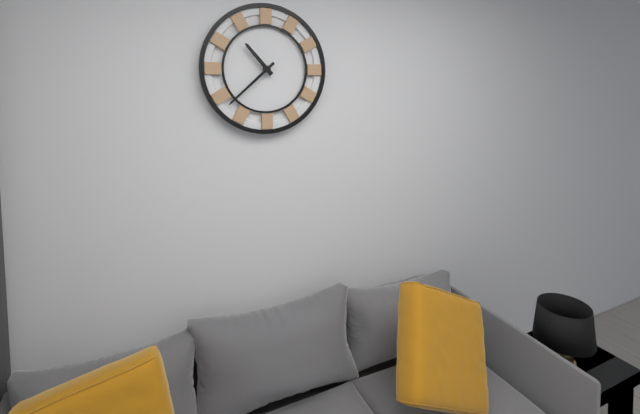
10:38
